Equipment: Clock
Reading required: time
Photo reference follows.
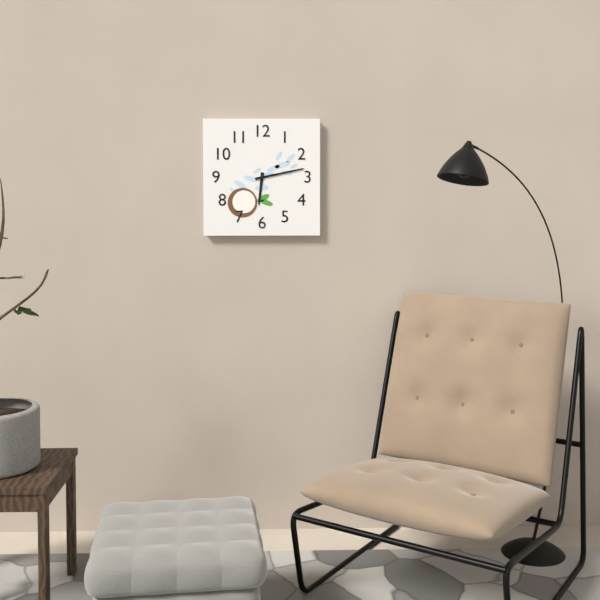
6:13
